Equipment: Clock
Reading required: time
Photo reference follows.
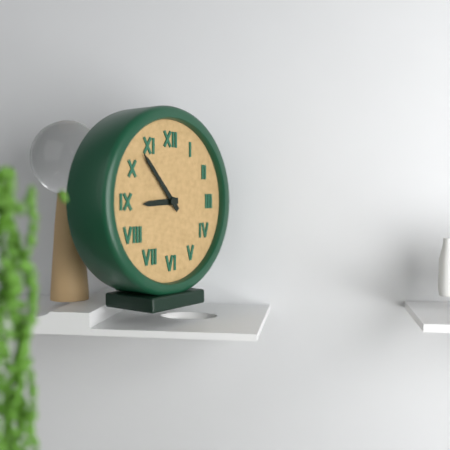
8:53
